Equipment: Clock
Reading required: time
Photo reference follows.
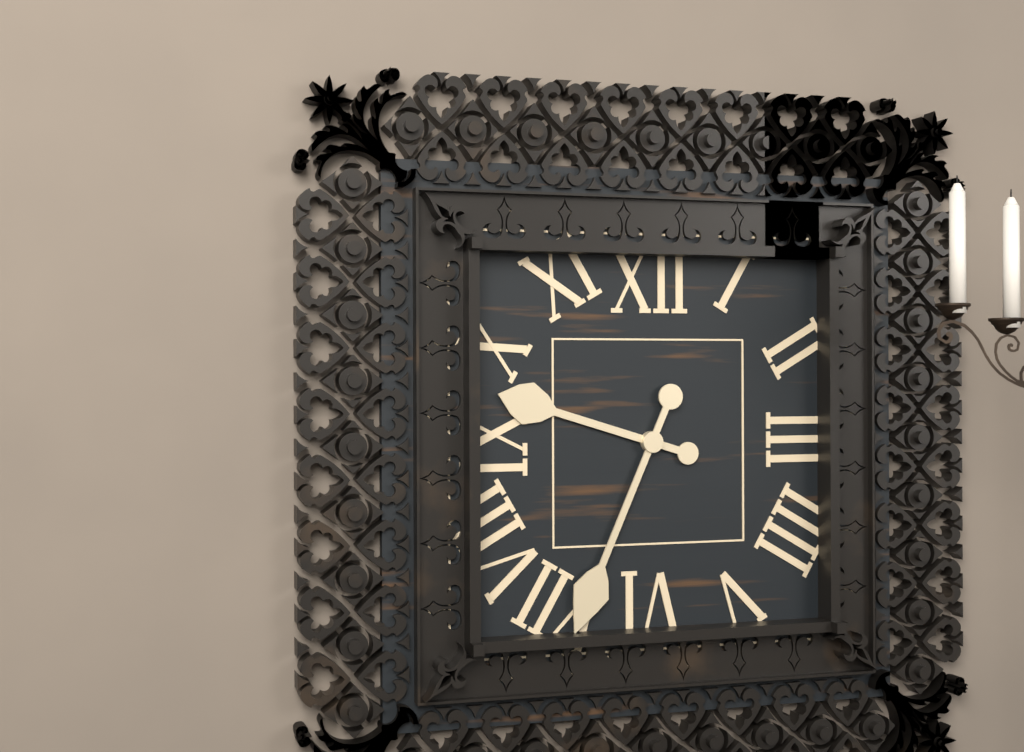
9:34
